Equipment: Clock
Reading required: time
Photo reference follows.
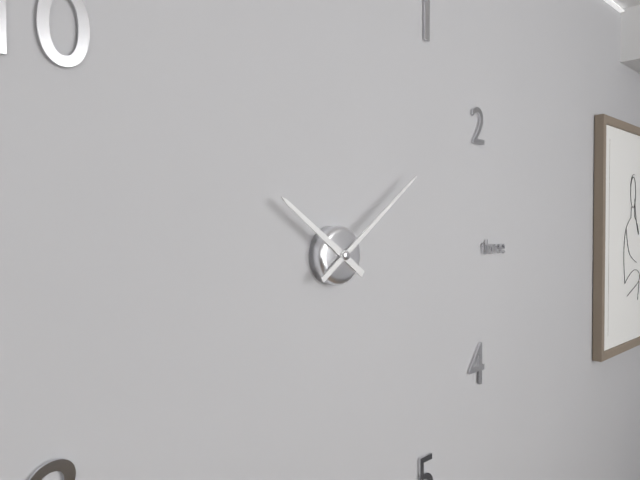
10:09
